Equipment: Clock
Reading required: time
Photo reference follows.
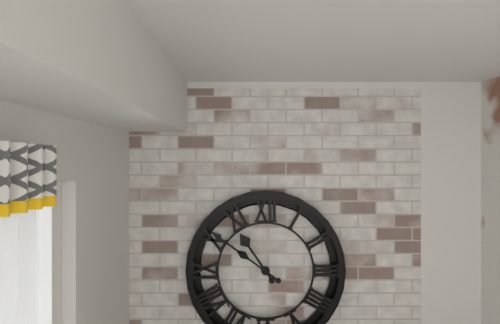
10:51
